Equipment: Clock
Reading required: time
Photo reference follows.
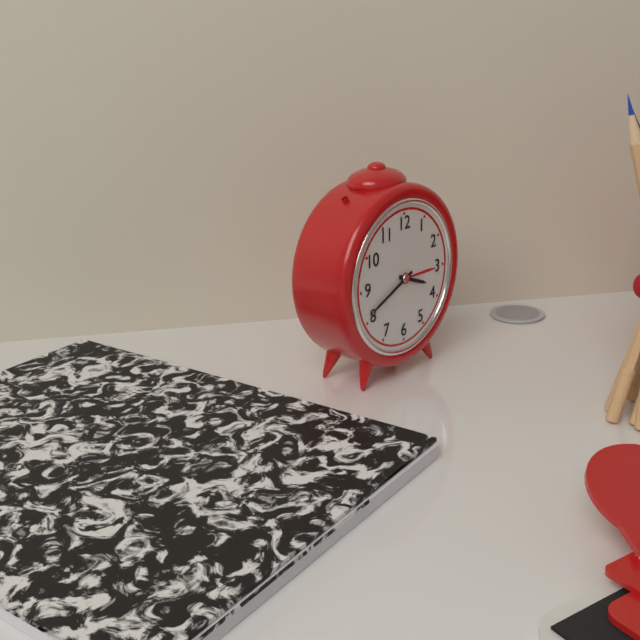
3:41
